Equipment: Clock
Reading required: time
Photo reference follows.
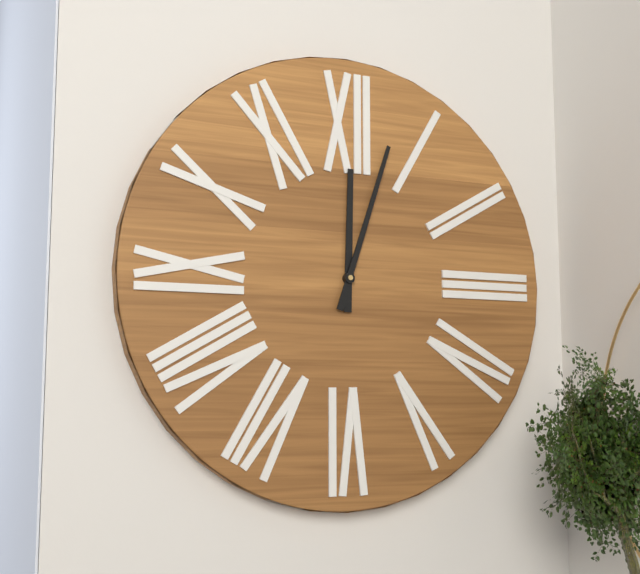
12:03
